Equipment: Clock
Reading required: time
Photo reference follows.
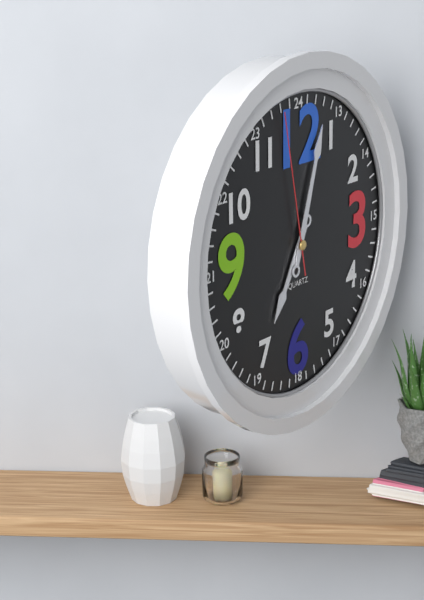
7:03:58
